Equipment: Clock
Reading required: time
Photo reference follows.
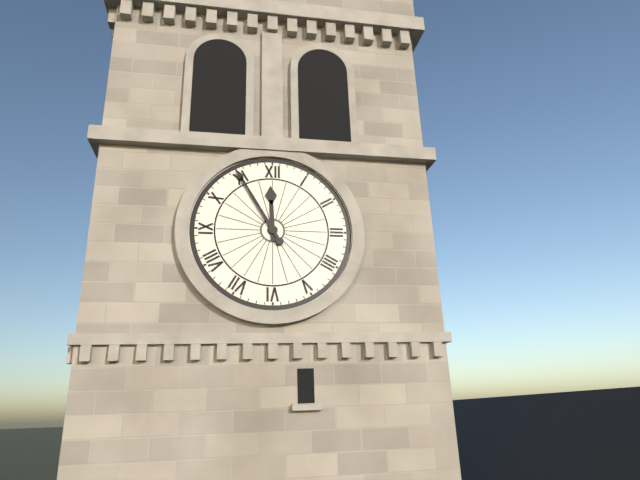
11:55
